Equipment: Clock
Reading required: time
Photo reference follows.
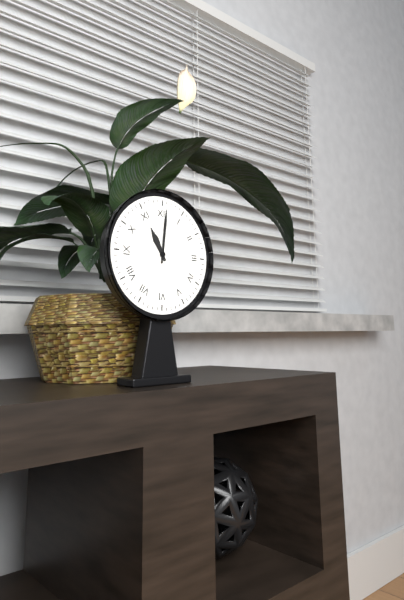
11:01
